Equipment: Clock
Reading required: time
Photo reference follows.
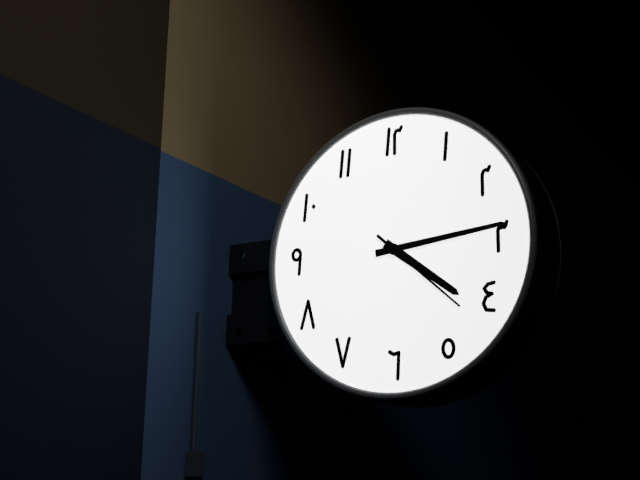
4:14:22
